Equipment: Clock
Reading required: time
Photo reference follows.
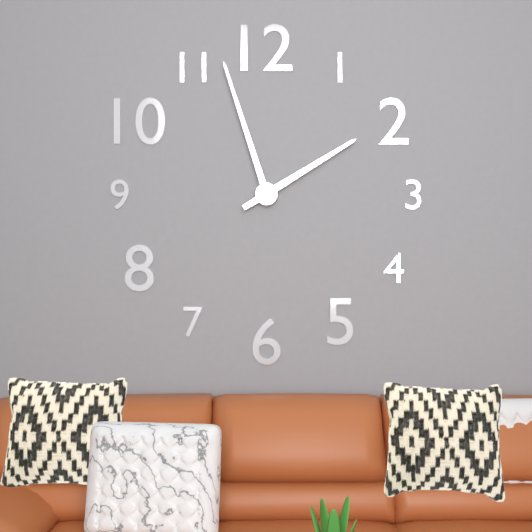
1:57
